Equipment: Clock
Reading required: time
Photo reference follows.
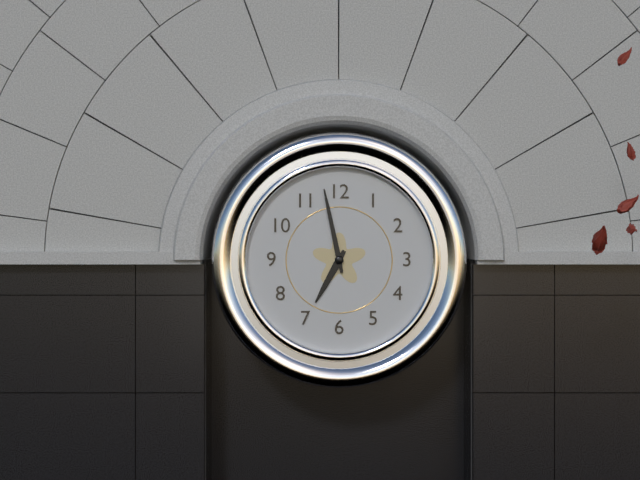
6:58
